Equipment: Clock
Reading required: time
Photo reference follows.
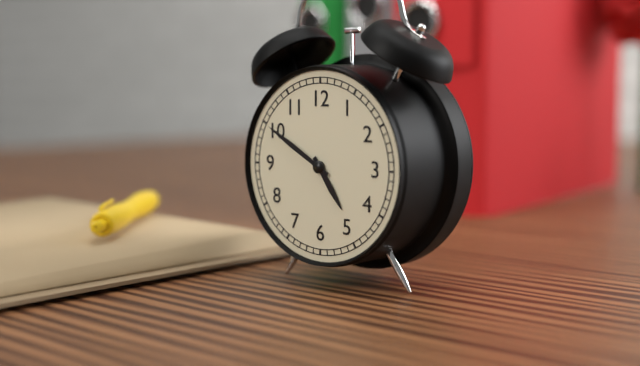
4:50
